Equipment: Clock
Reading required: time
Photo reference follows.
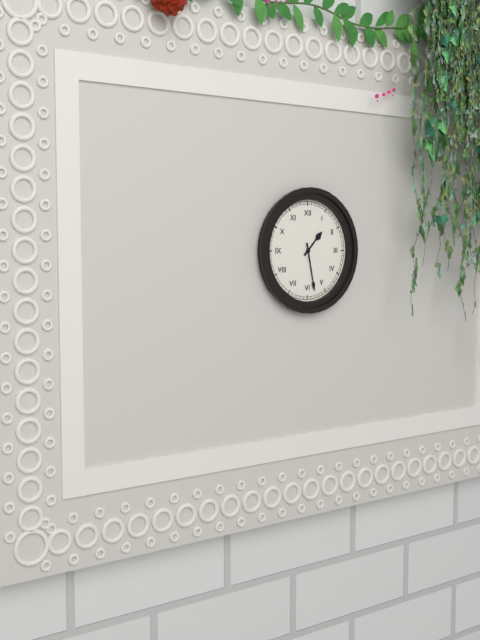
1:28
